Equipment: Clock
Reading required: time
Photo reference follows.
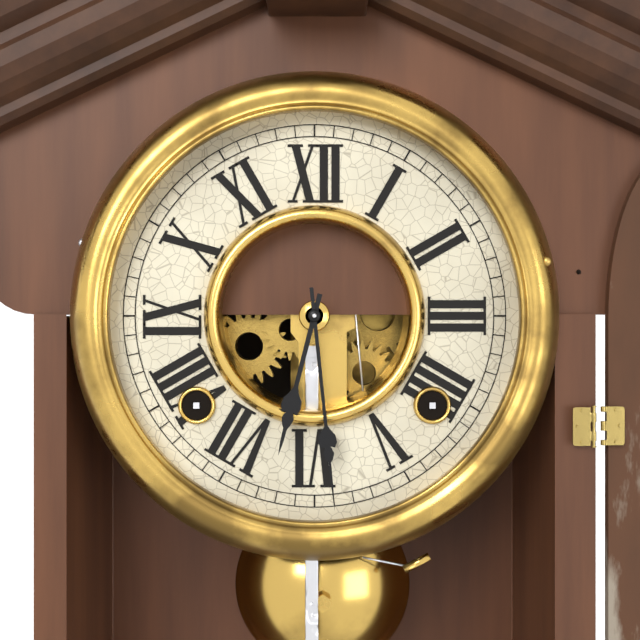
6:29
